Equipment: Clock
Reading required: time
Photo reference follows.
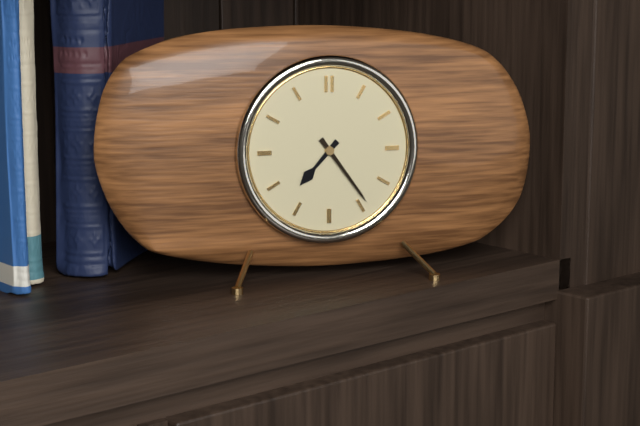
7:24
